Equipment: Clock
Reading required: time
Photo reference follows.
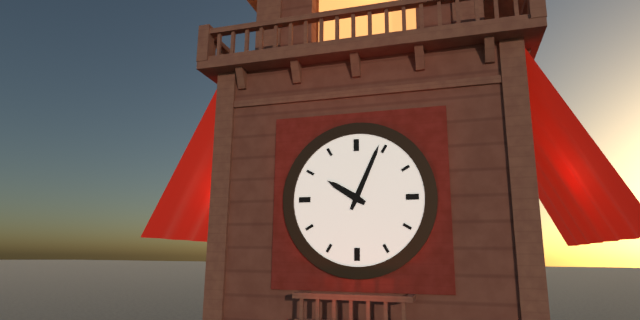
10:04
